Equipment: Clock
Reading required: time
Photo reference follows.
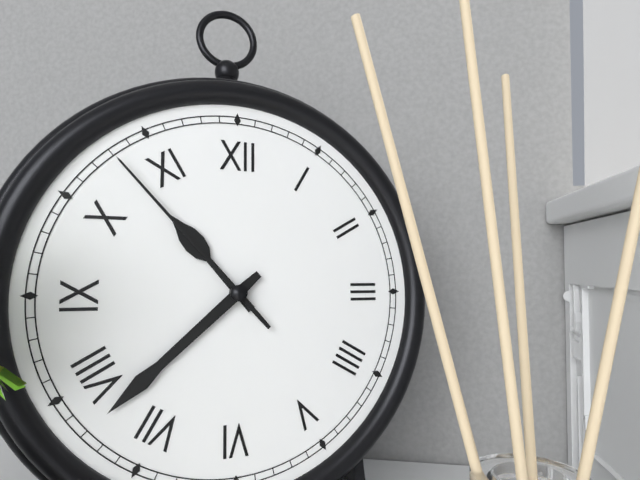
10:38:53
